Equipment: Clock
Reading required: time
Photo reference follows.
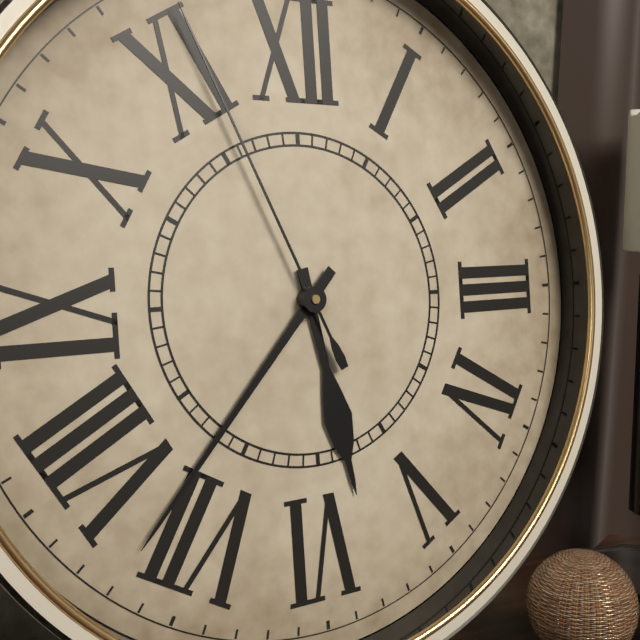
5:37:56
